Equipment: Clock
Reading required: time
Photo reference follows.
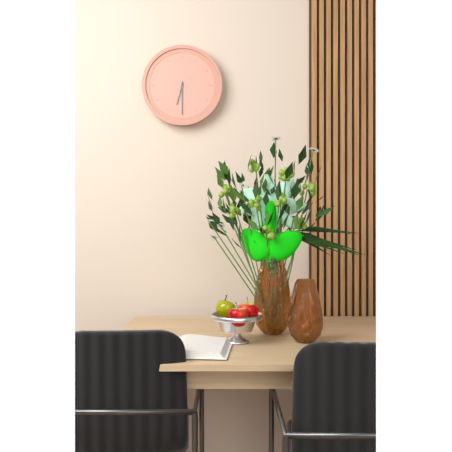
6:30
